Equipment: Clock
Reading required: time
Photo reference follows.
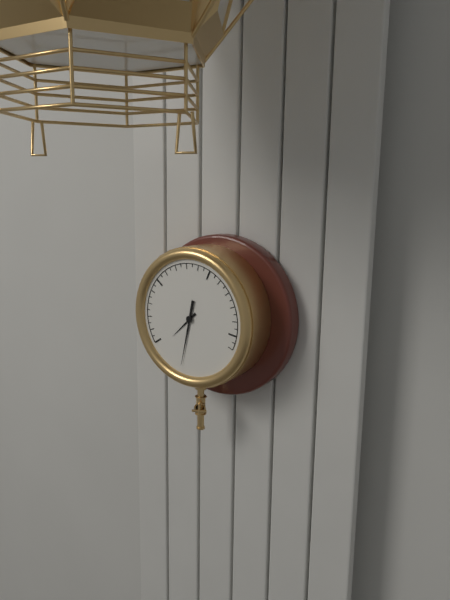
7:32
